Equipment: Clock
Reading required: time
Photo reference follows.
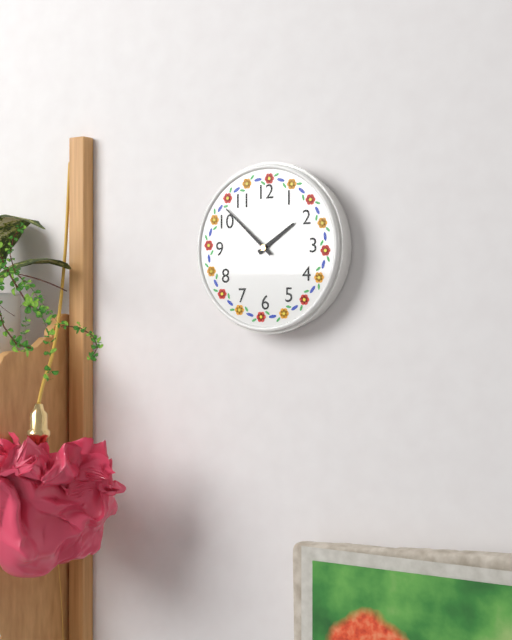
1:52
